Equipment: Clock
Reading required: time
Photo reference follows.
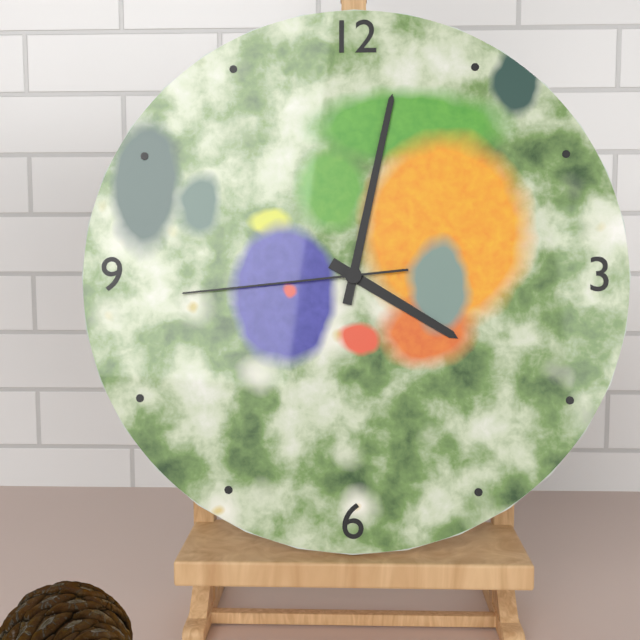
4:02:44
